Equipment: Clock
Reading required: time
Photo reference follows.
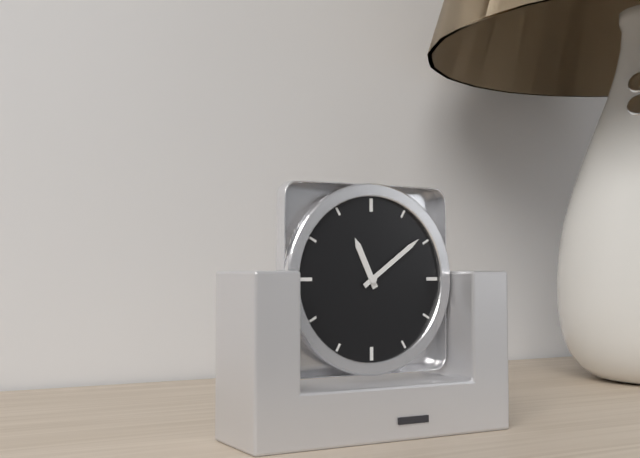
11:09
